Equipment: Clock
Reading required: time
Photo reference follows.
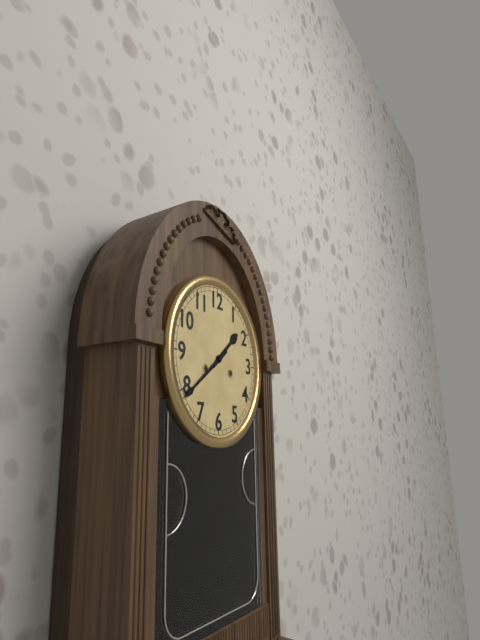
1:39
